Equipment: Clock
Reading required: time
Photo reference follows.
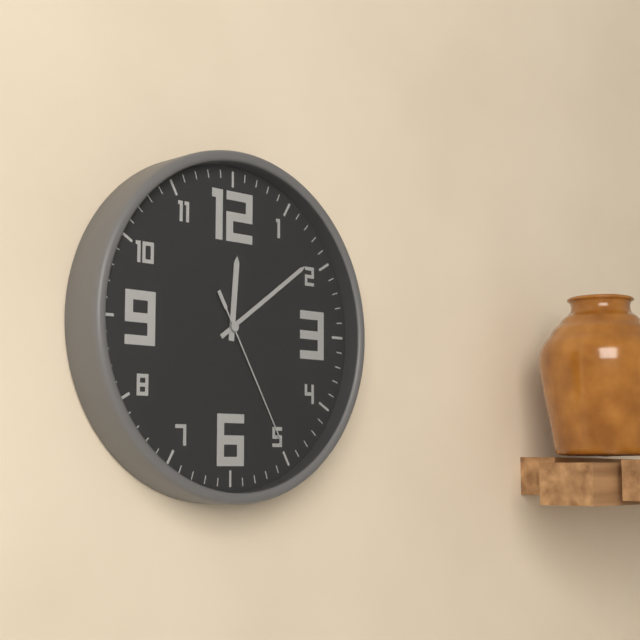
12:09:25
